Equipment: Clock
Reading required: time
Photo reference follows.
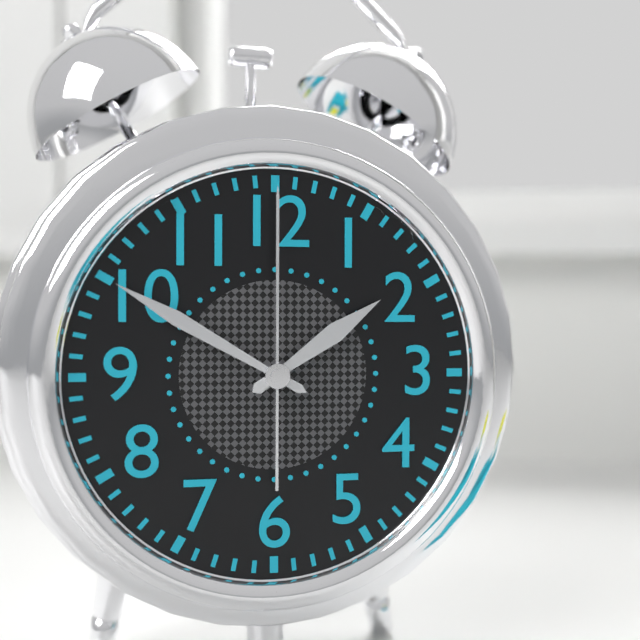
1:50:00
